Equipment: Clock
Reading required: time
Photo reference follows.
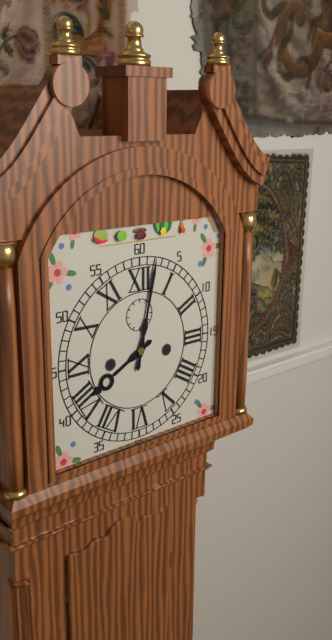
8:02
